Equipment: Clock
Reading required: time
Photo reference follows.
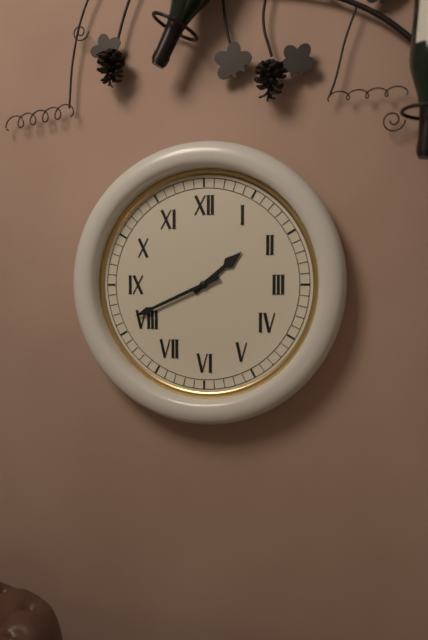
1:41
